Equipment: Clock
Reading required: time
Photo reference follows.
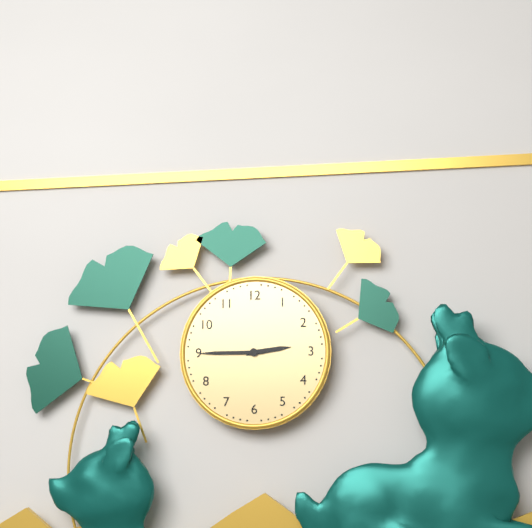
2:45
